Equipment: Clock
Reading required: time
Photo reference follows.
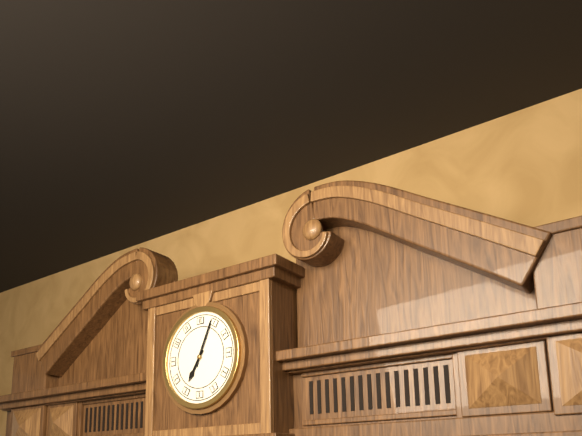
7:04
